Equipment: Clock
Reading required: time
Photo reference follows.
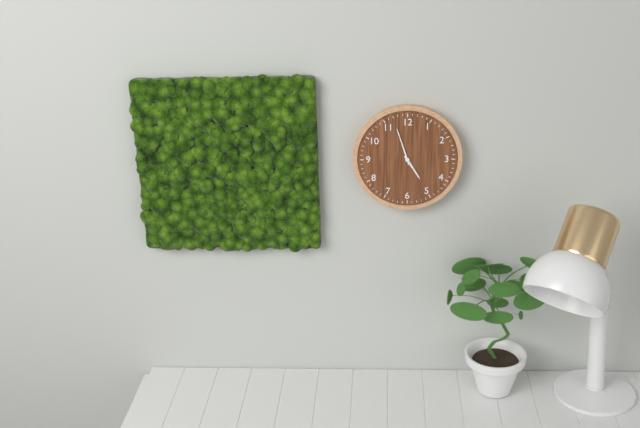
4:57
